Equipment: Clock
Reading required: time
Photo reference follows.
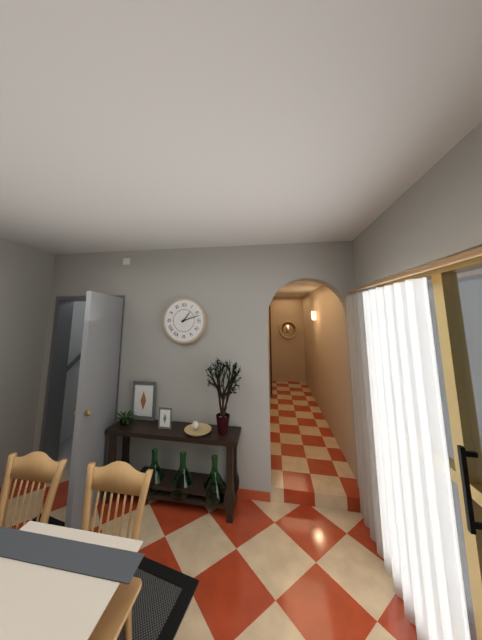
1:12
